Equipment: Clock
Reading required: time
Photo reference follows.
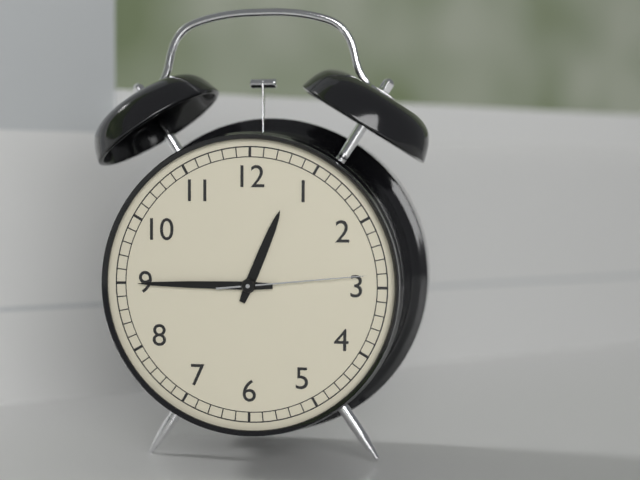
12:45:14
